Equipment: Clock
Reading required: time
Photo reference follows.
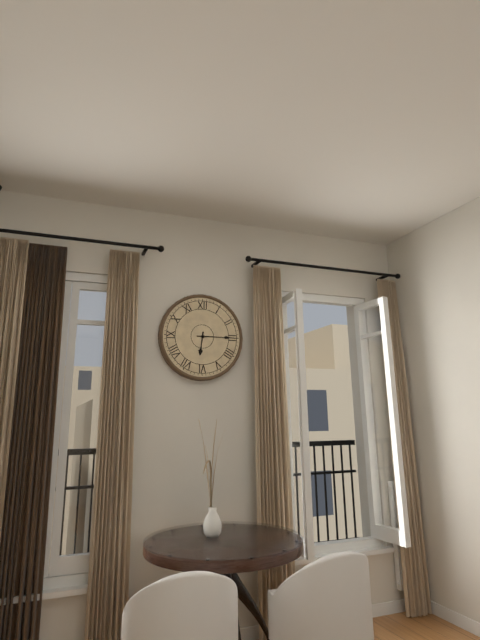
6:15
